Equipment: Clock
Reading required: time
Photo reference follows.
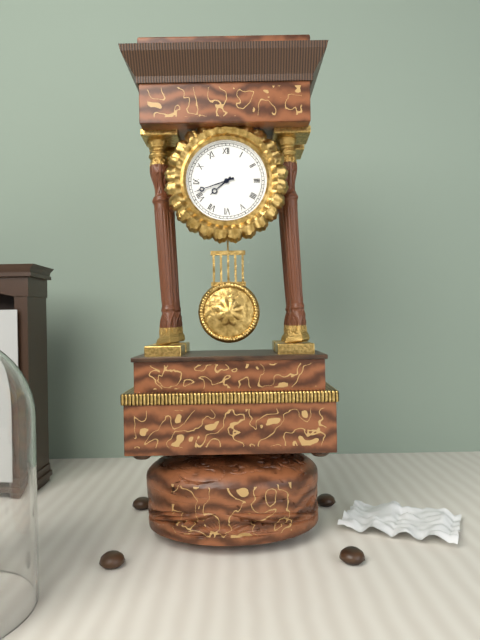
7:42
